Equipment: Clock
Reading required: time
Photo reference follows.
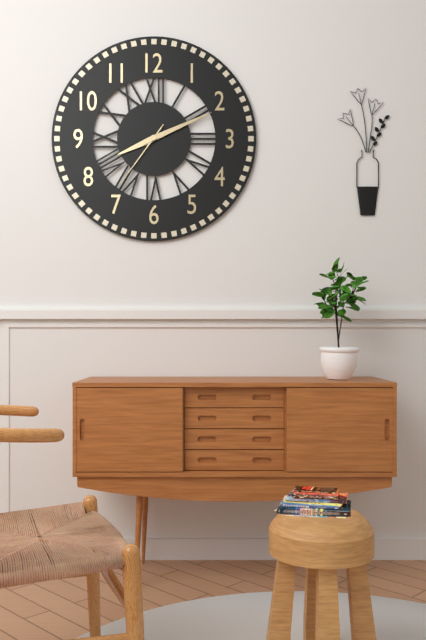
8:11:36
